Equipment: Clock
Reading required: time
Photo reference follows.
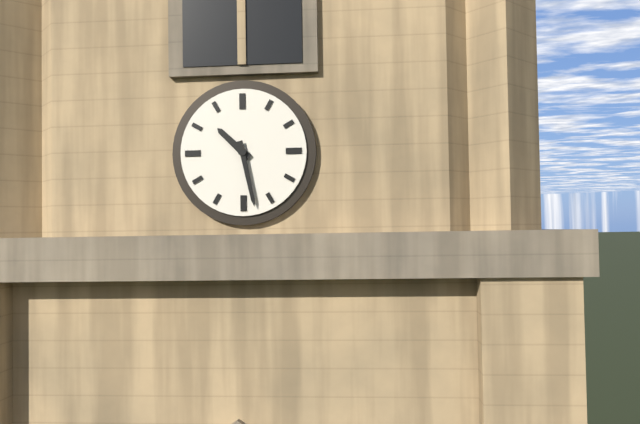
10:28
